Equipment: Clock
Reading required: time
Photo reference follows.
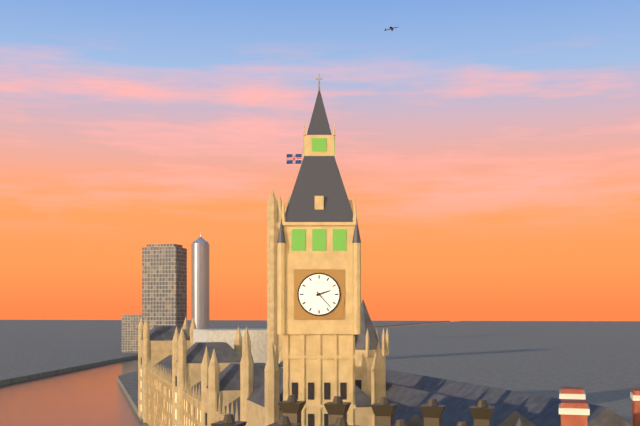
2:23
